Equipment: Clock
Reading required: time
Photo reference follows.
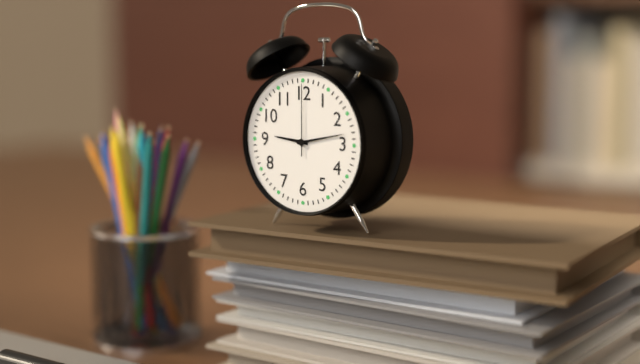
9:13:00
